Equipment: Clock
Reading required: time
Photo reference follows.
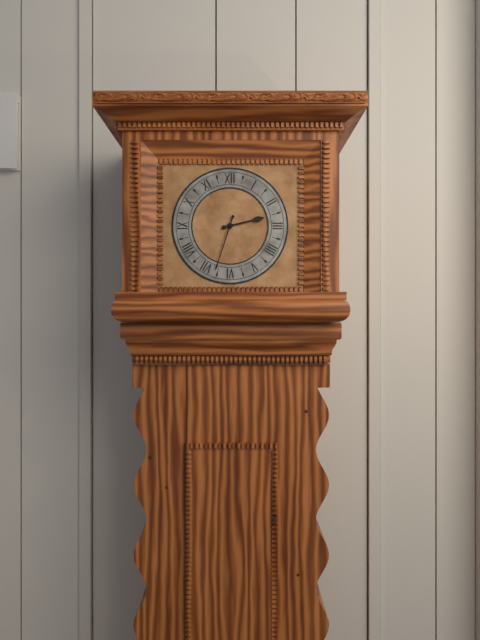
2:33
